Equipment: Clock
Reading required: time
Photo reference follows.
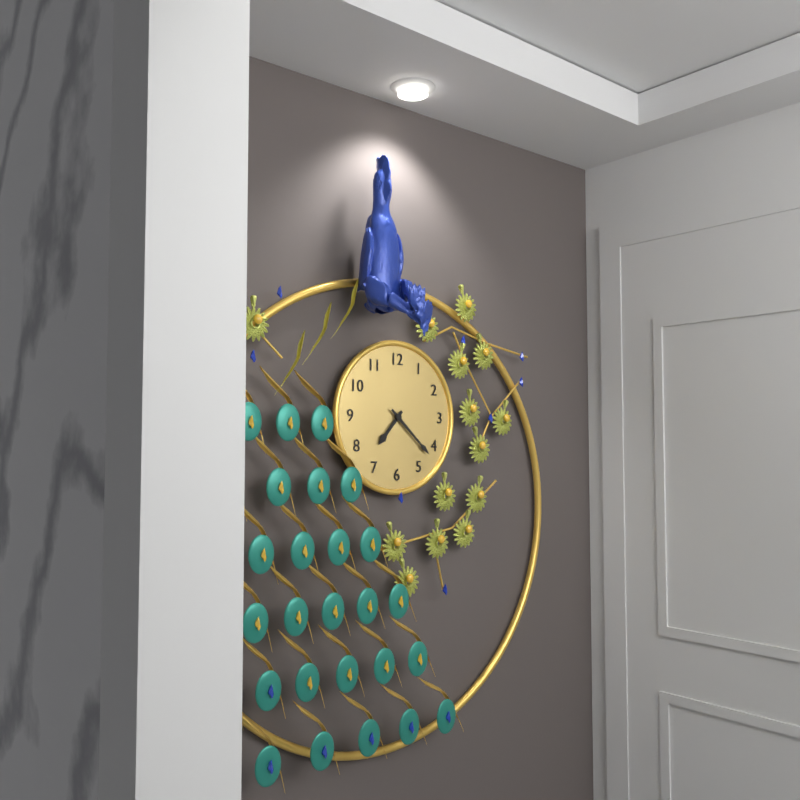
7:22
